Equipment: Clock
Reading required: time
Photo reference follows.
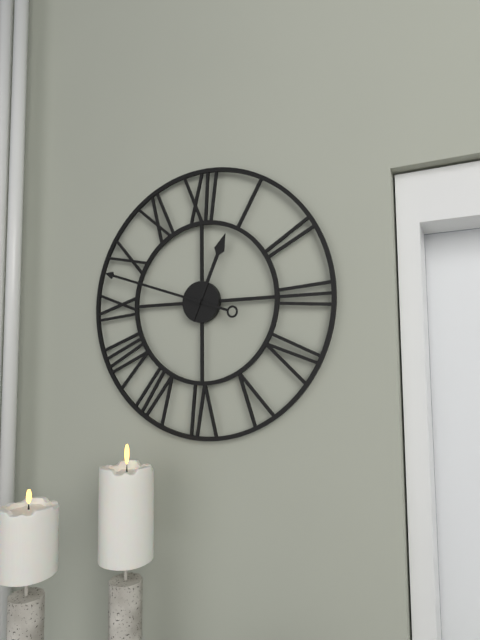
12:48
